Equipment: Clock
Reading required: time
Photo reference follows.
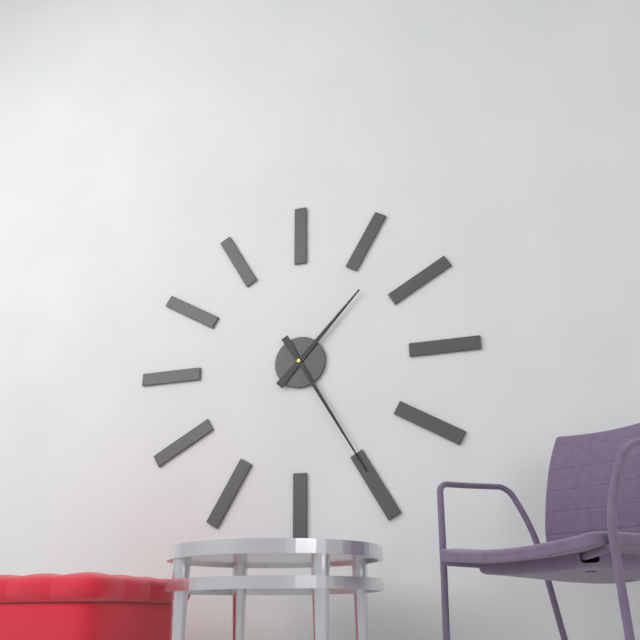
1:25
